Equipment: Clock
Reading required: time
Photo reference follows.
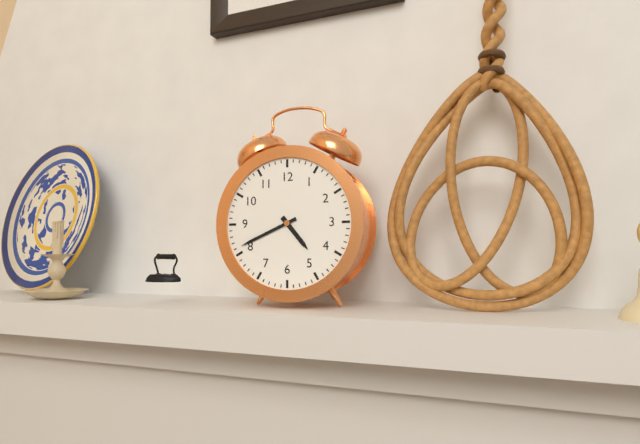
4:41
